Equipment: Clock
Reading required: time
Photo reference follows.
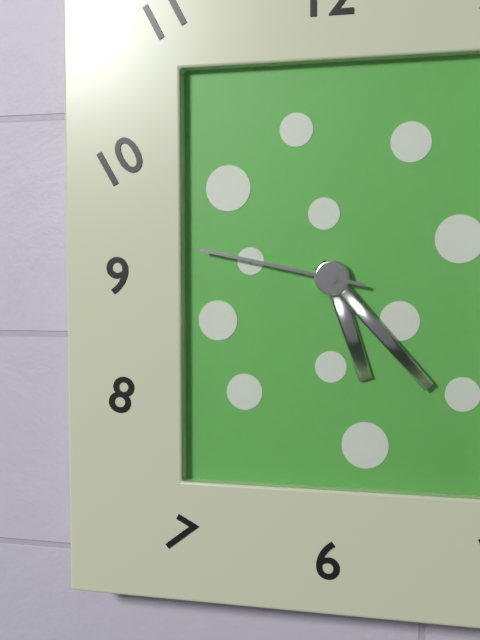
5:23:47
